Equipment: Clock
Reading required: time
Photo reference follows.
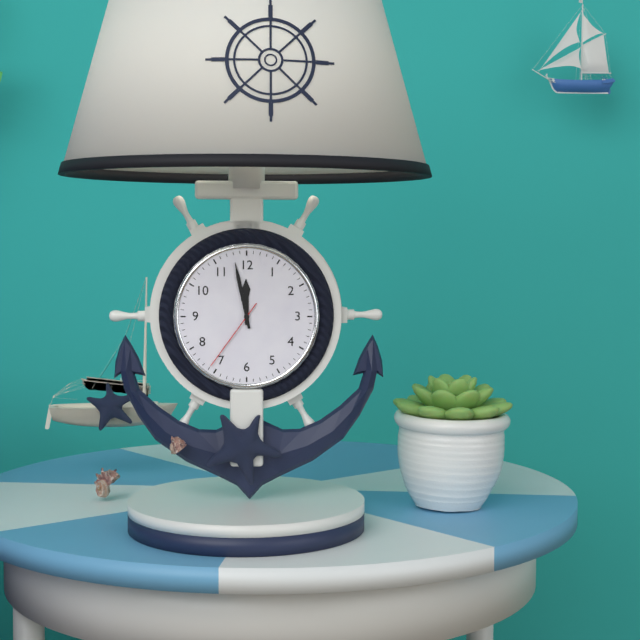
11:58:36
